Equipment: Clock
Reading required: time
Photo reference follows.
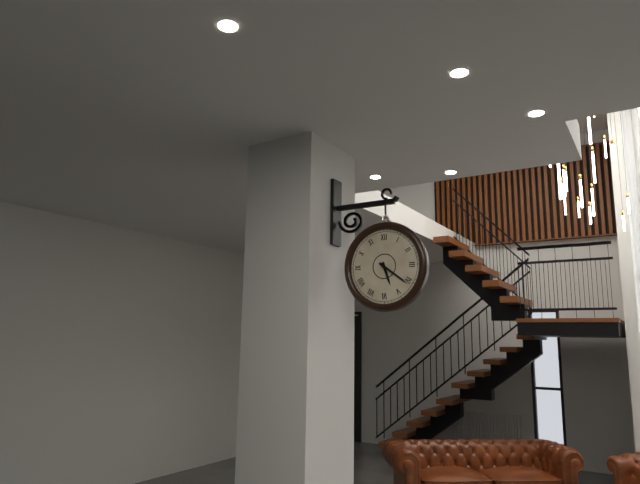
5:21
